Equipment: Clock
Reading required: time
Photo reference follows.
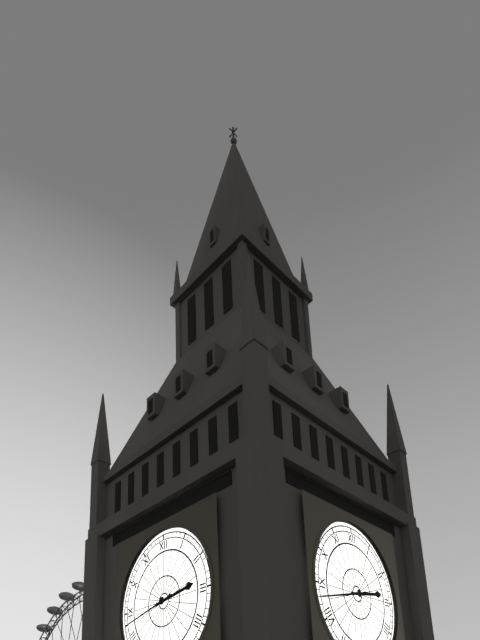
2:43
